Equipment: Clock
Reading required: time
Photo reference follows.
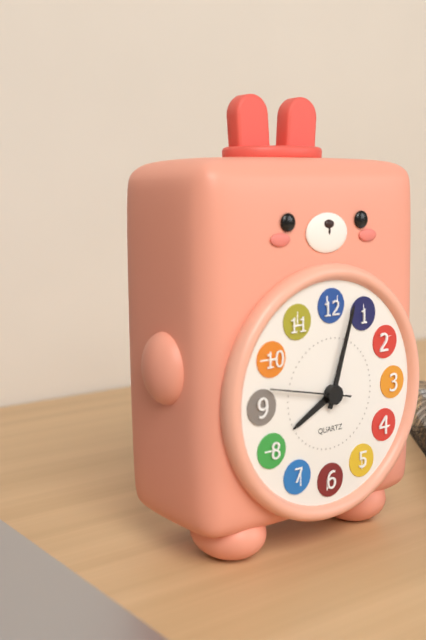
8:03
